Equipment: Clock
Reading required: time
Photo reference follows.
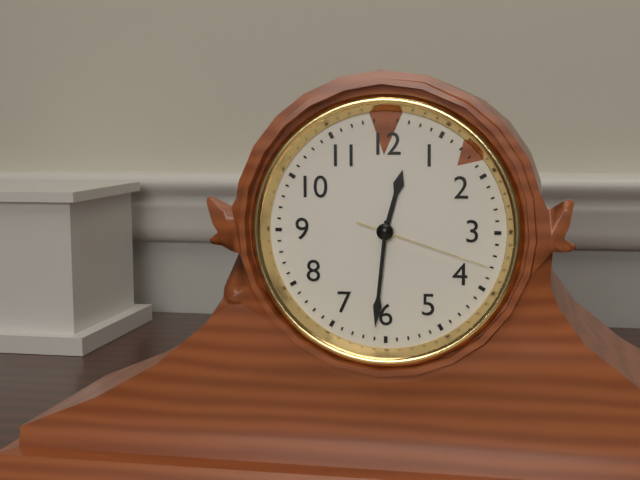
12:31:18
